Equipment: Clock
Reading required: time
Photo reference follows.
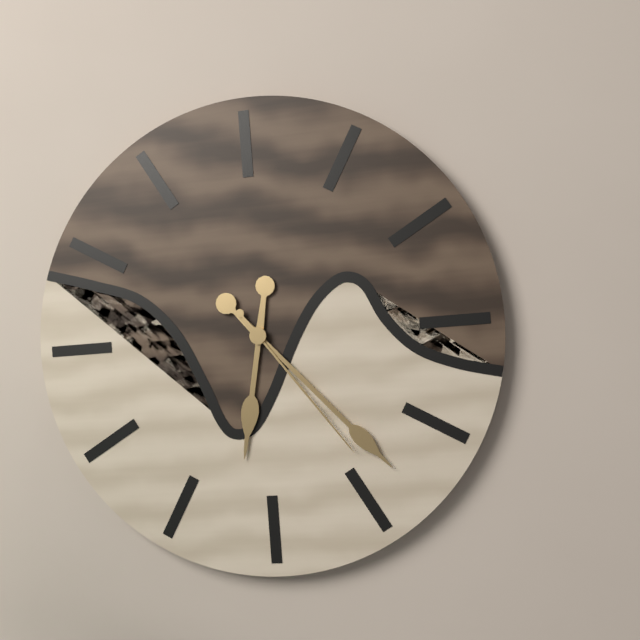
6:23:24
